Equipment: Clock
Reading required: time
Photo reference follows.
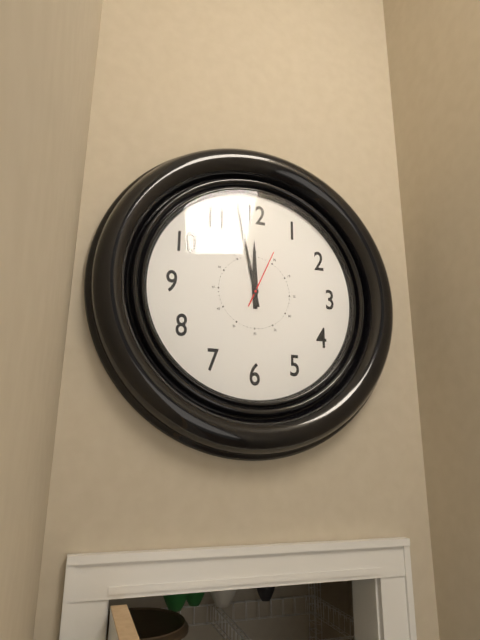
11:58:04
